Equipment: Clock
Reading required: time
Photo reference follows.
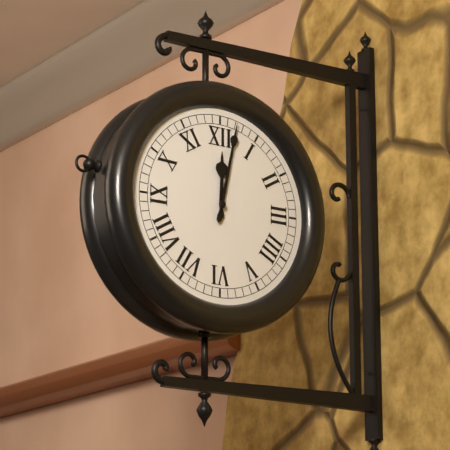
12:02
